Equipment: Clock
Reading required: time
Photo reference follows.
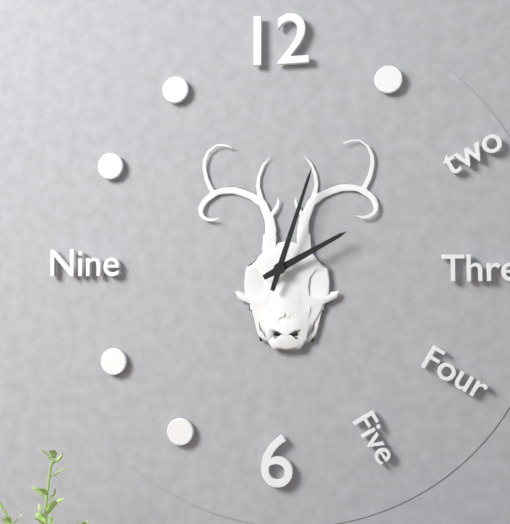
2:03
